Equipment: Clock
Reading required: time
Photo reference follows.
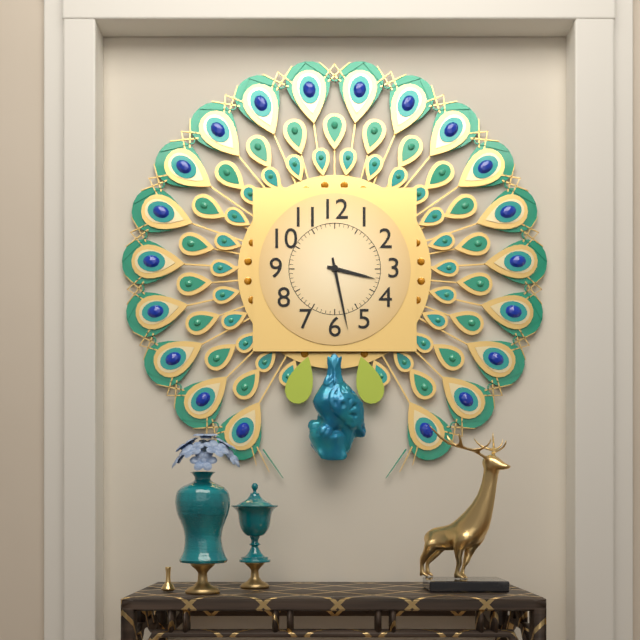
3:28
